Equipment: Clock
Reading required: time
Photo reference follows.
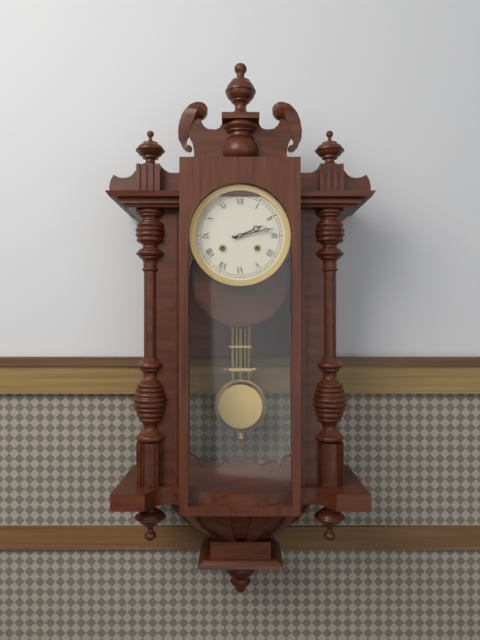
2:13
